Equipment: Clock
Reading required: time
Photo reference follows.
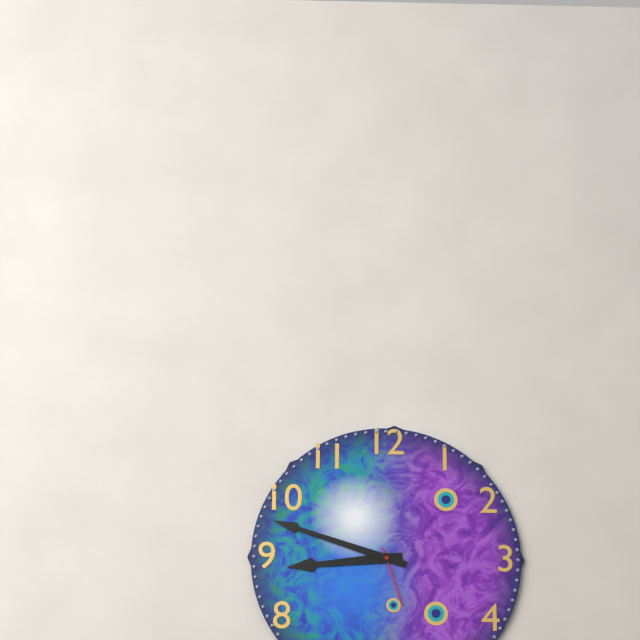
8:48:27
